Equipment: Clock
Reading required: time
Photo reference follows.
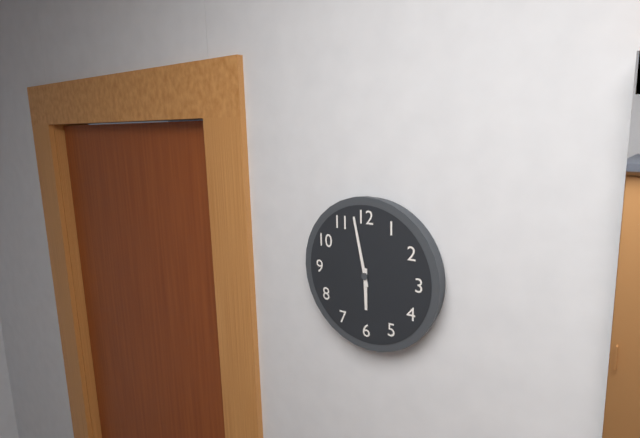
5:58
